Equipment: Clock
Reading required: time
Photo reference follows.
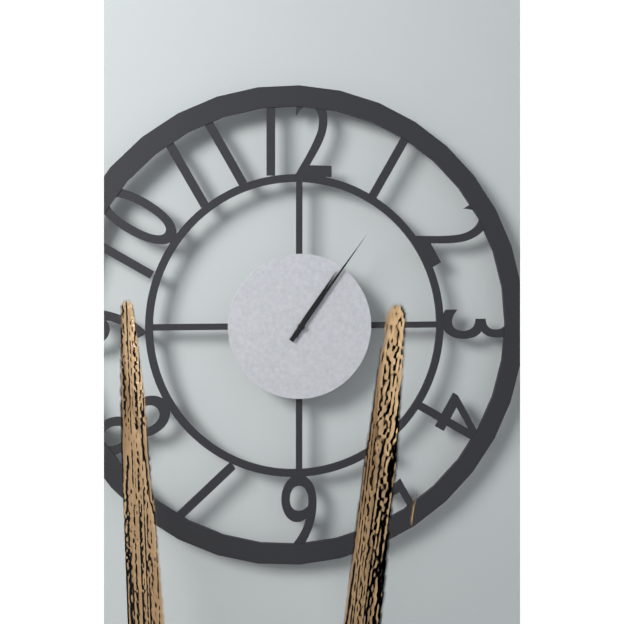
1:06
